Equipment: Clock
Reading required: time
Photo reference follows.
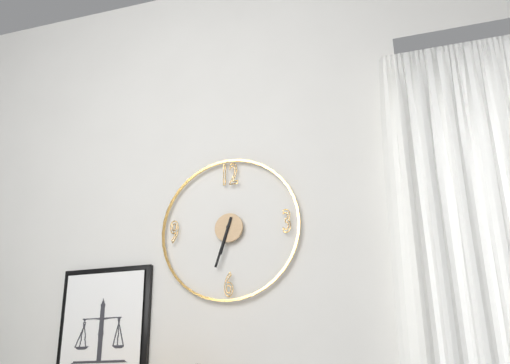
6:33
